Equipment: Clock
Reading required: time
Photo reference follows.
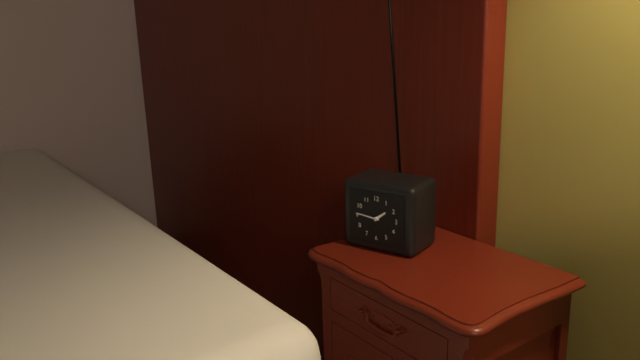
1:46
